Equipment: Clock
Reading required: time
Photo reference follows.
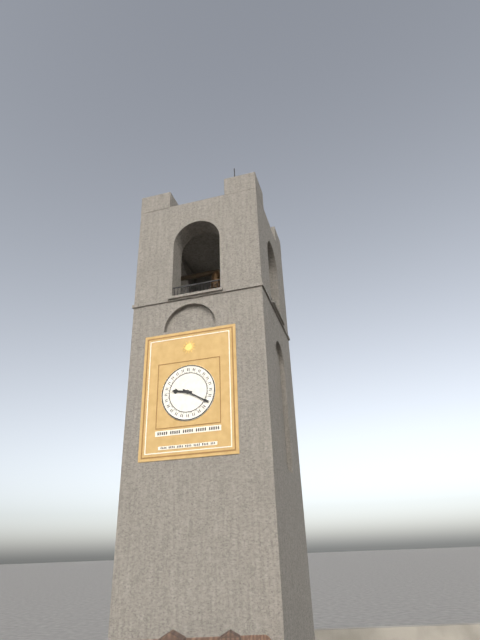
9:20
